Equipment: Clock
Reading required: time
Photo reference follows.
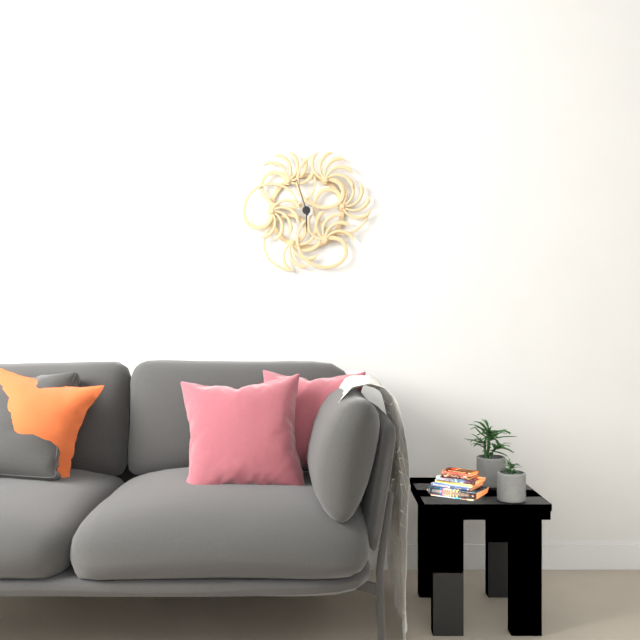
5:57
